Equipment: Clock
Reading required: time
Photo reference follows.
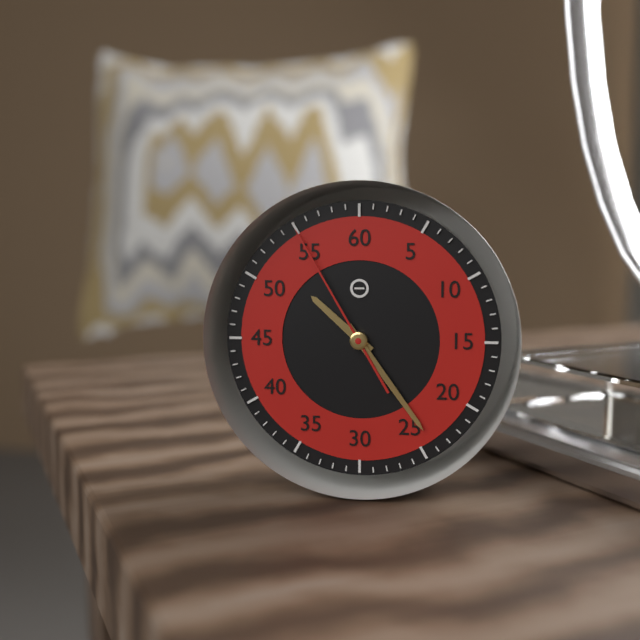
10:24:55
